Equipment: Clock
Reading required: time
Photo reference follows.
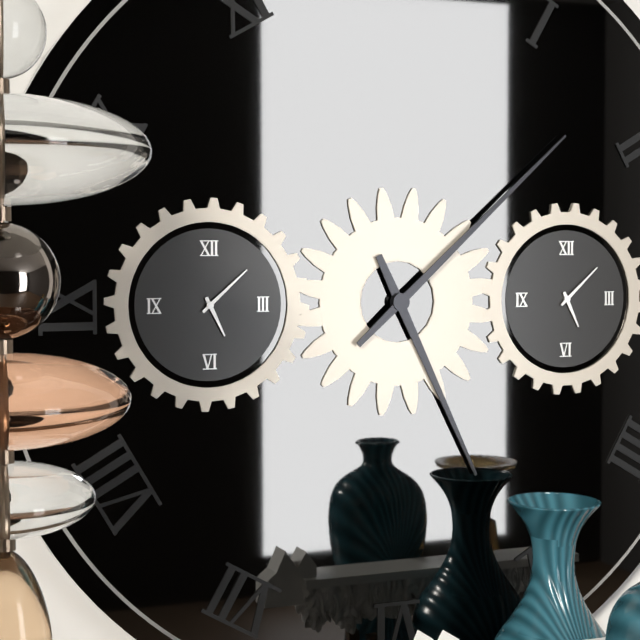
5:08
